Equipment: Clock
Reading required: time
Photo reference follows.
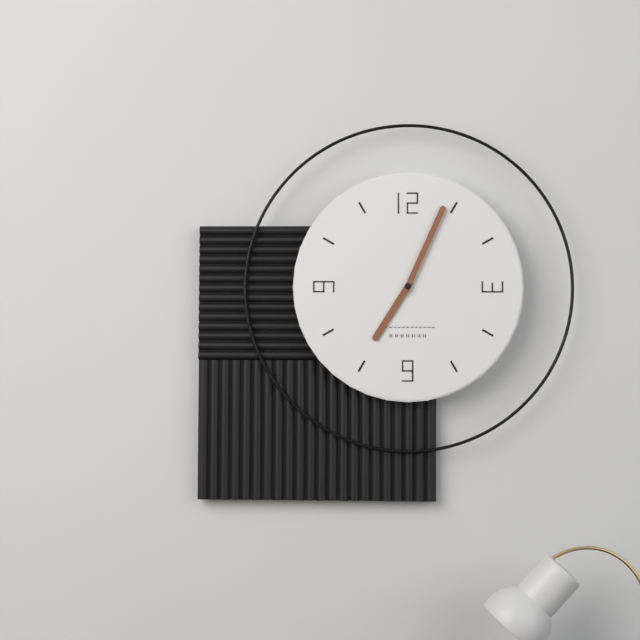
7:04
